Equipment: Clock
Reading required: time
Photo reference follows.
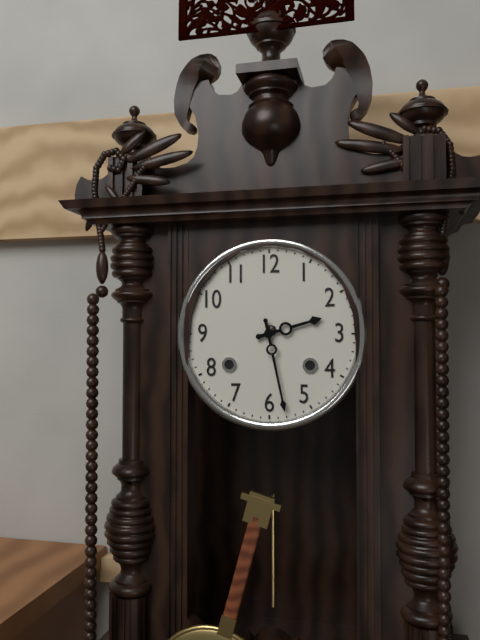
2:28
